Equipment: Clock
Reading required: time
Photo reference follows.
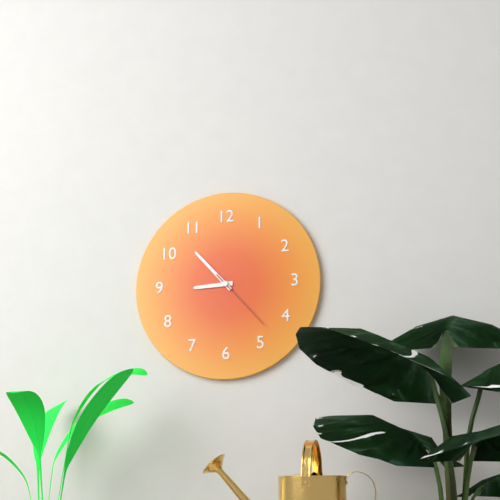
8:53:23
